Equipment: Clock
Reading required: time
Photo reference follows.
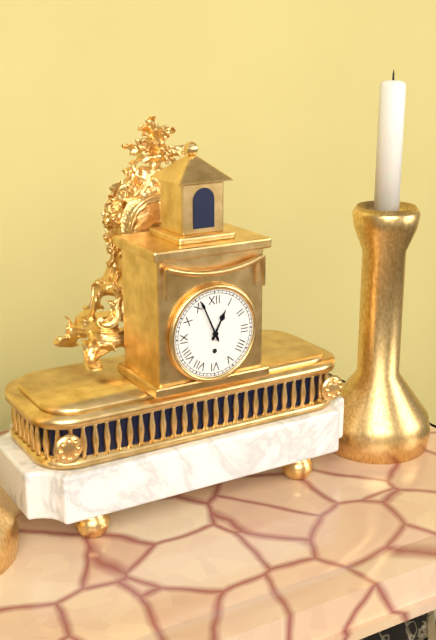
12:56
